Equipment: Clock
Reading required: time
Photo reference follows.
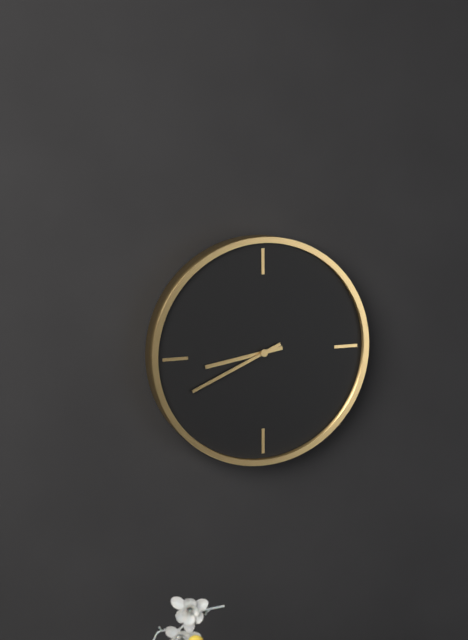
8:41
